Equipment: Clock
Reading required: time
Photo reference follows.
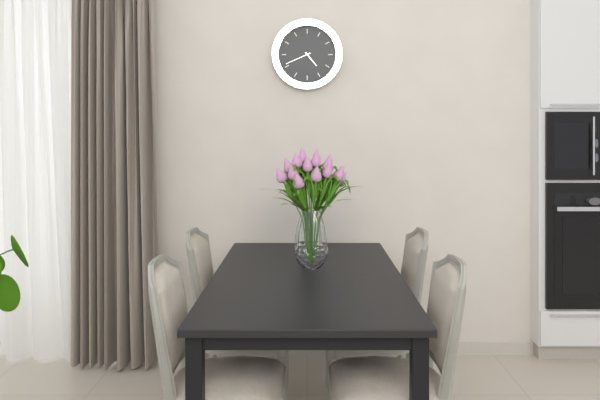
4:41
